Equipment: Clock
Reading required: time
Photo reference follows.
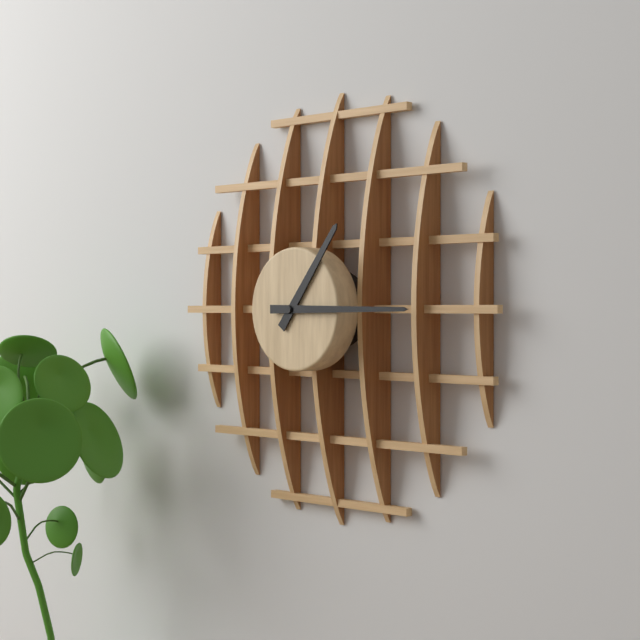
1:15
